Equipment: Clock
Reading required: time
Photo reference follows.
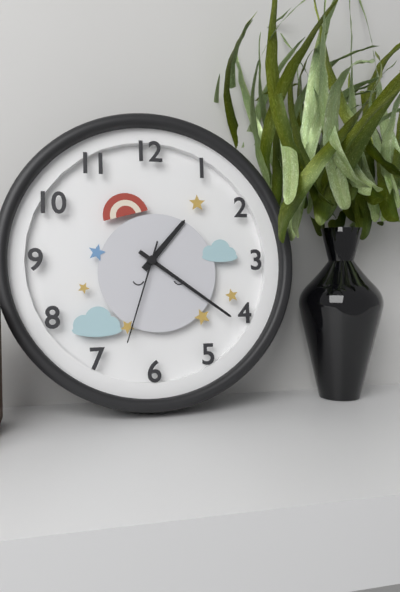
1:21:33
